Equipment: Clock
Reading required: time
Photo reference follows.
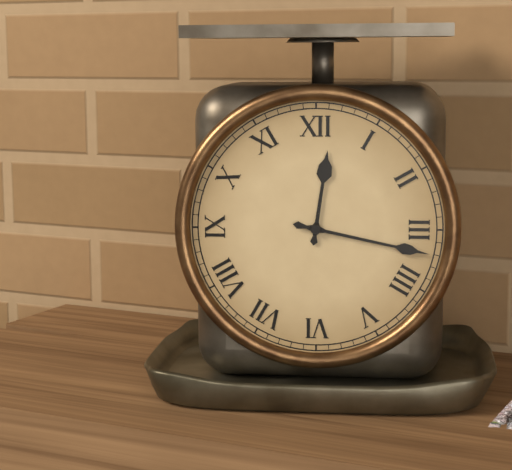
12:17
